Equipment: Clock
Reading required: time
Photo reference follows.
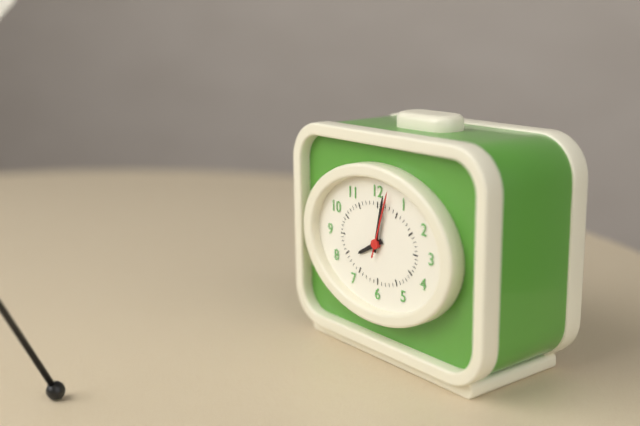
8:02:03
